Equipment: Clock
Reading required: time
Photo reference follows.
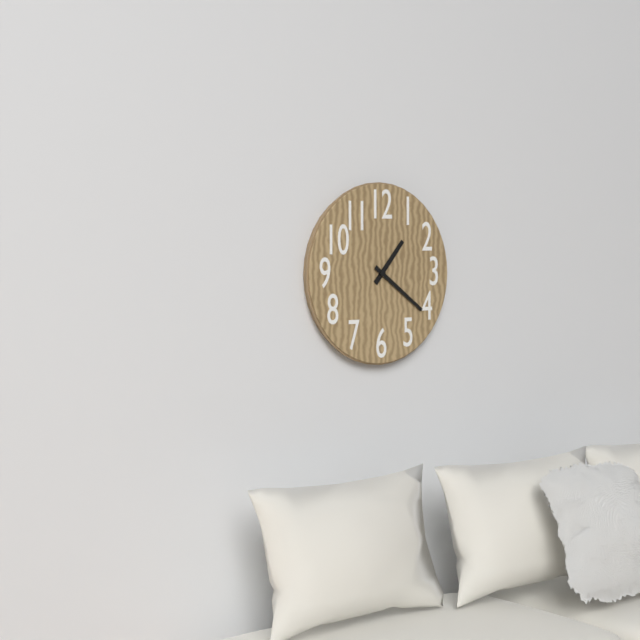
1:21
